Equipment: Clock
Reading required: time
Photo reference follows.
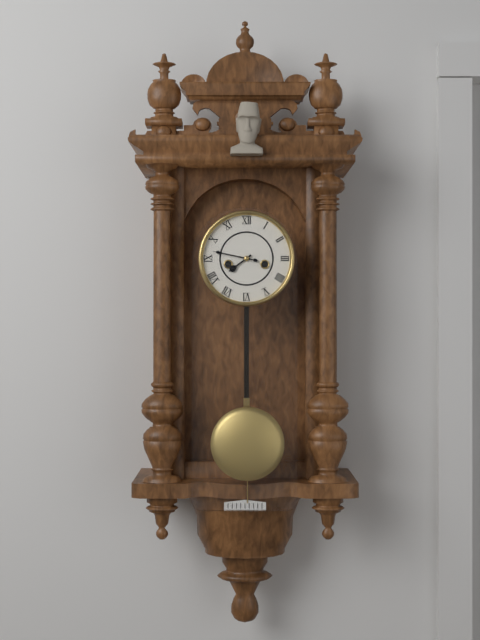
7:47
